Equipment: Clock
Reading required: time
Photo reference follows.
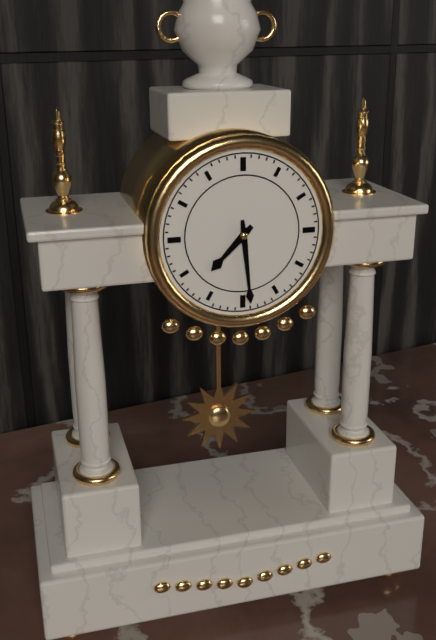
7:29
